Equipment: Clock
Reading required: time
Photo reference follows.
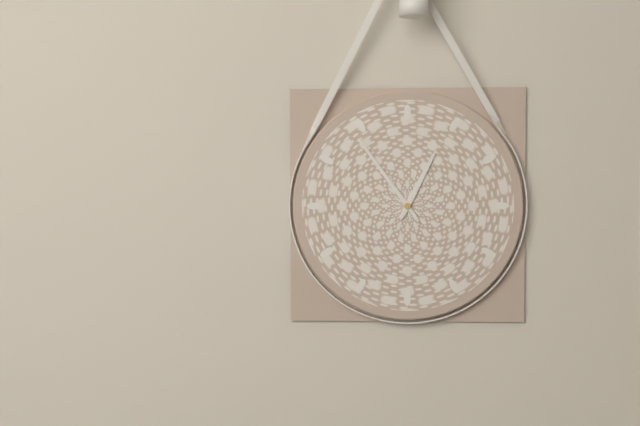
12:54
